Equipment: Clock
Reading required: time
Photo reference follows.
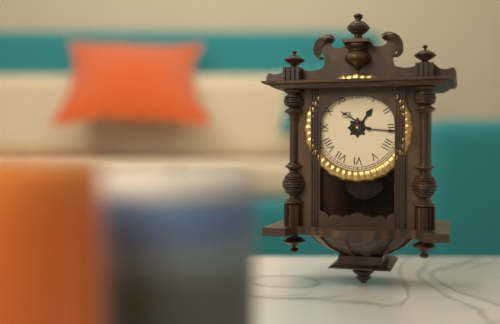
1:16
